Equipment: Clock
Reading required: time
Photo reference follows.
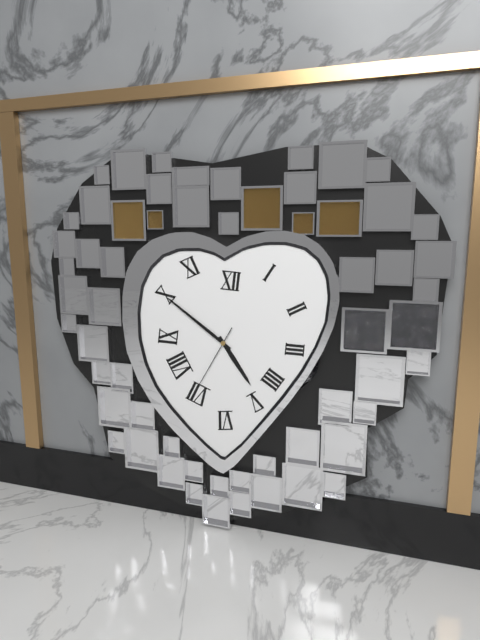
4:51:35
